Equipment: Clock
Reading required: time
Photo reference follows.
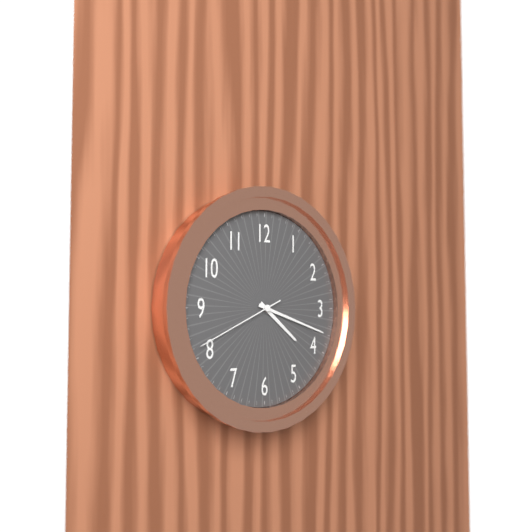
4:18:41
